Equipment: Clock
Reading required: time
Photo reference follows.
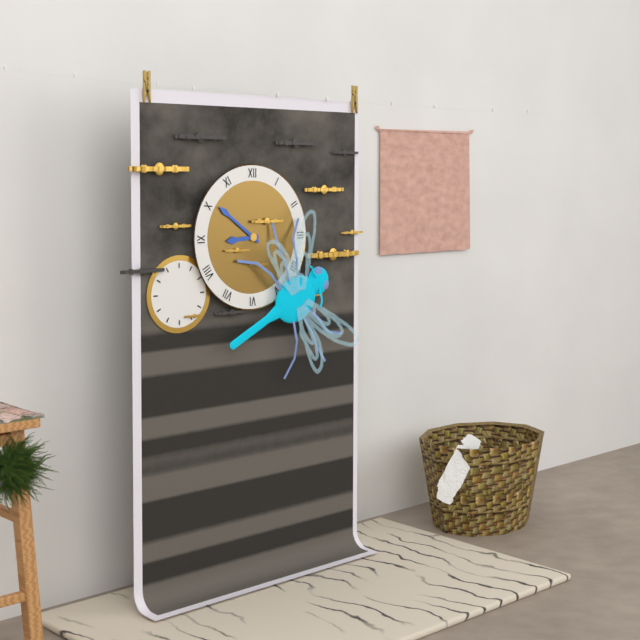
8:51
